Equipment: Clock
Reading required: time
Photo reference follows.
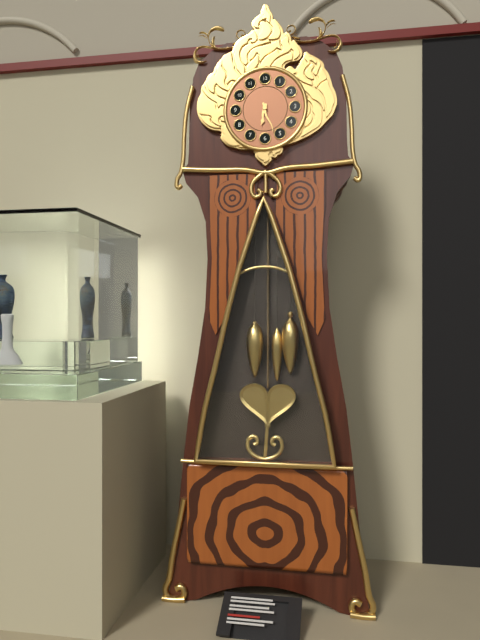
6:27
